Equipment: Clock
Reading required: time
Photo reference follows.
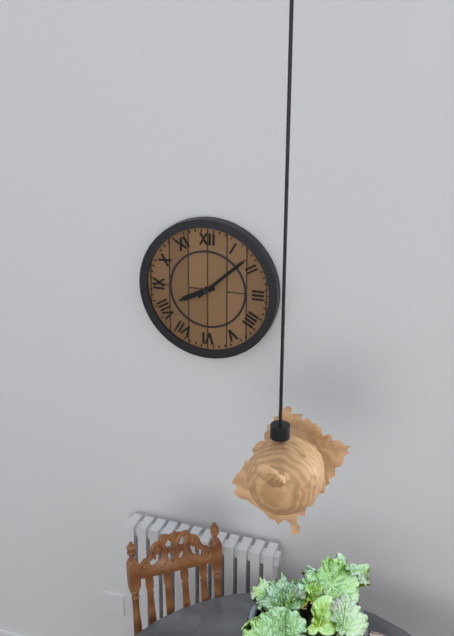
8:08
